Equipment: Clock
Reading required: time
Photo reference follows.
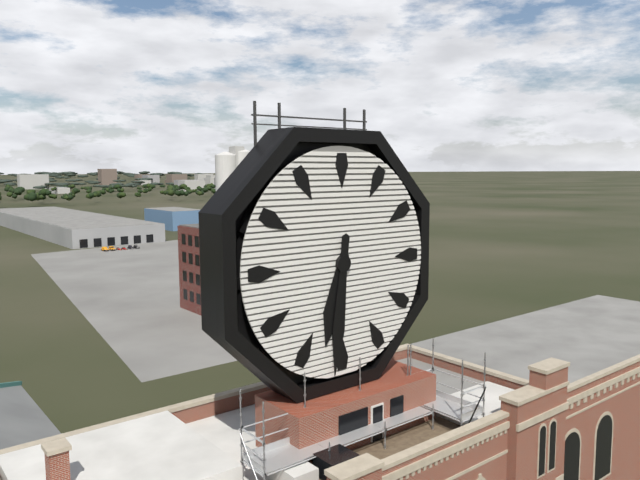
6:31
